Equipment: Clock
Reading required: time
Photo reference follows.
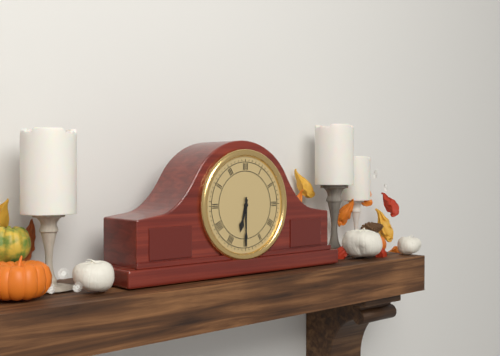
6:30
